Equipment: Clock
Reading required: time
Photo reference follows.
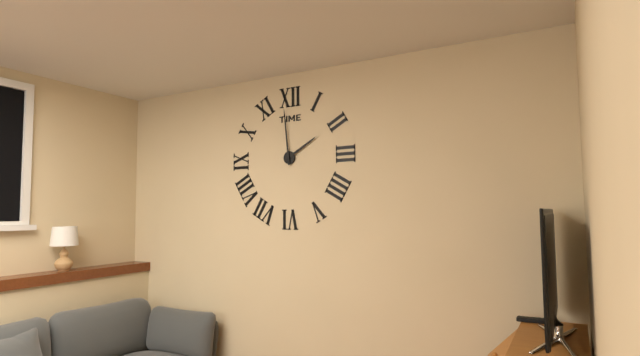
1:59
